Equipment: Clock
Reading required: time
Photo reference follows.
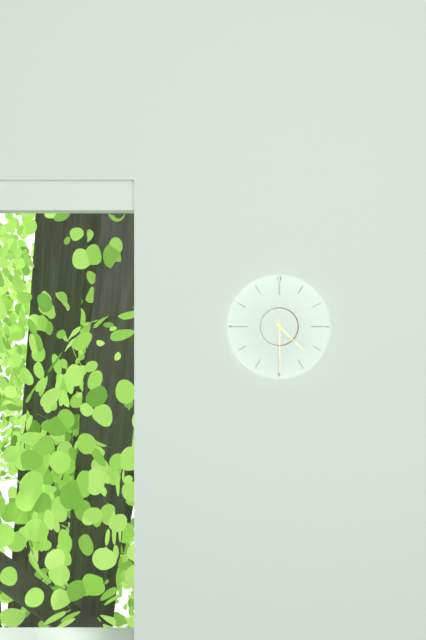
4:30
